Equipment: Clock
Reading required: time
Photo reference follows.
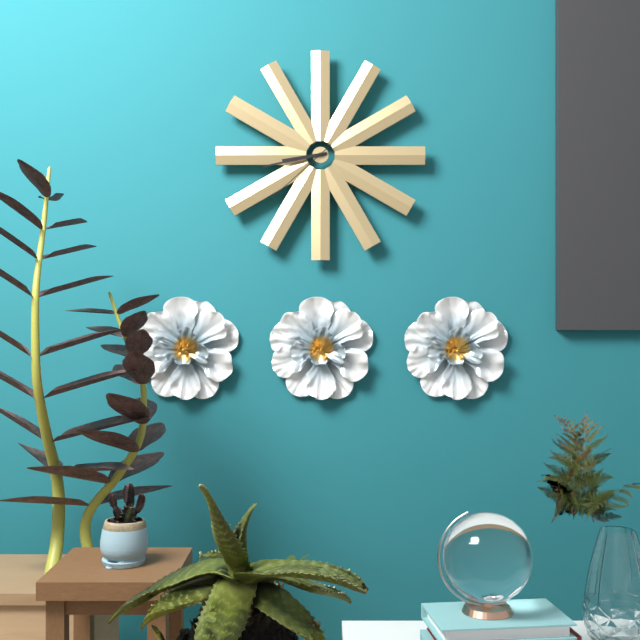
8:43:38
